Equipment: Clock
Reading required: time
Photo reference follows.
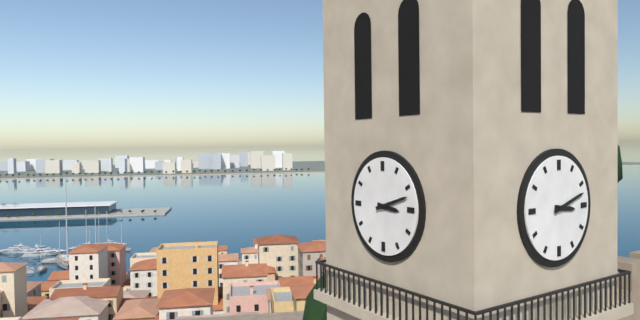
3:12
